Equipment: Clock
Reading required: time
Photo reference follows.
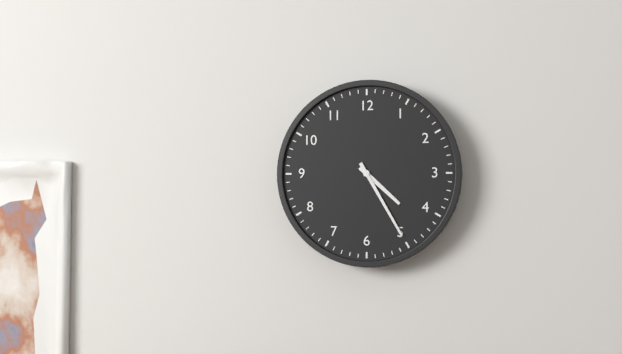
4:25
